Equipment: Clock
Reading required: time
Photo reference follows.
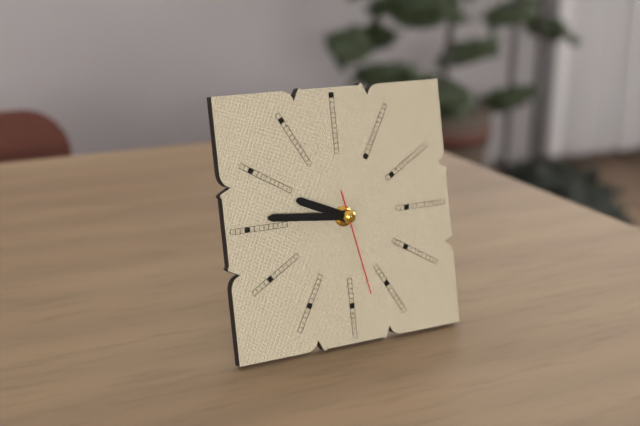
9:46:28
